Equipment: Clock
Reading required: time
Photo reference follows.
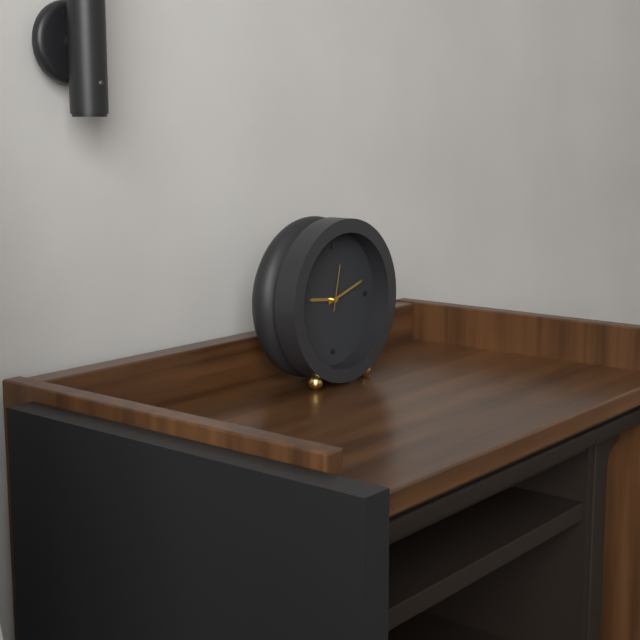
9:12
